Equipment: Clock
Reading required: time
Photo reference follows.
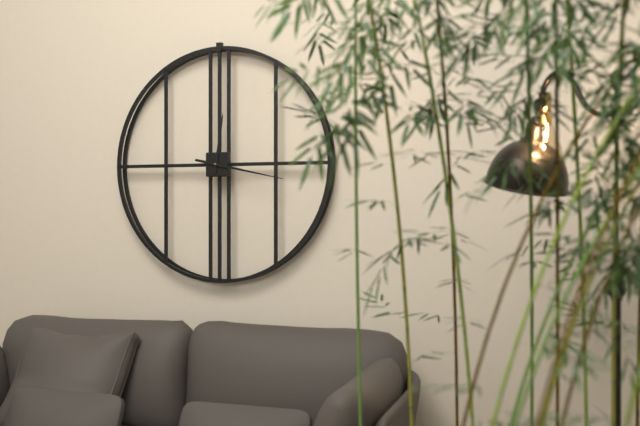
12:17
